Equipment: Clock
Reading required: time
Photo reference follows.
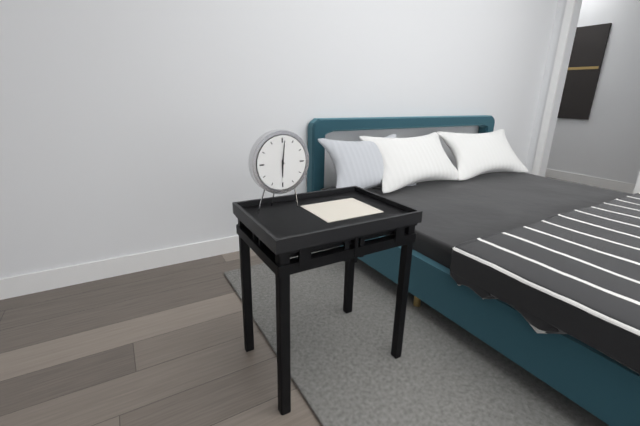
6:01
